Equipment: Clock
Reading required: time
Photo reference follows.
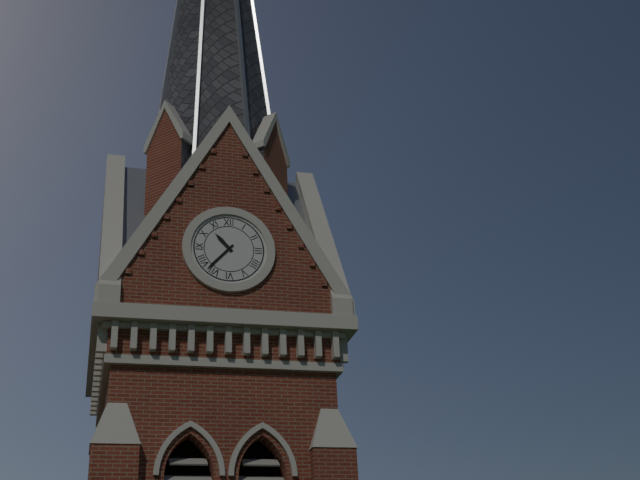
10:37
